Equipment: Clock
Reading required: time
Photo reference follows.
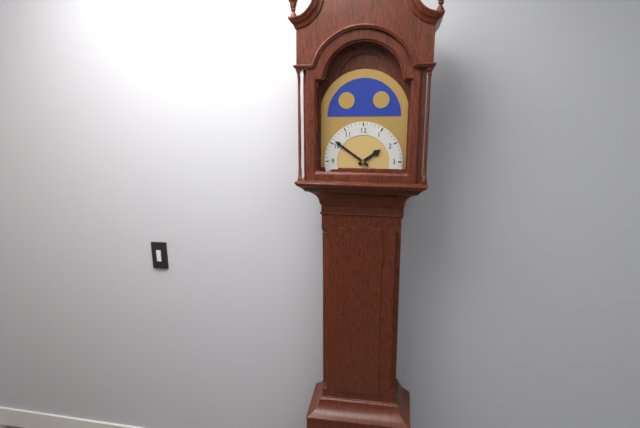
1:51
